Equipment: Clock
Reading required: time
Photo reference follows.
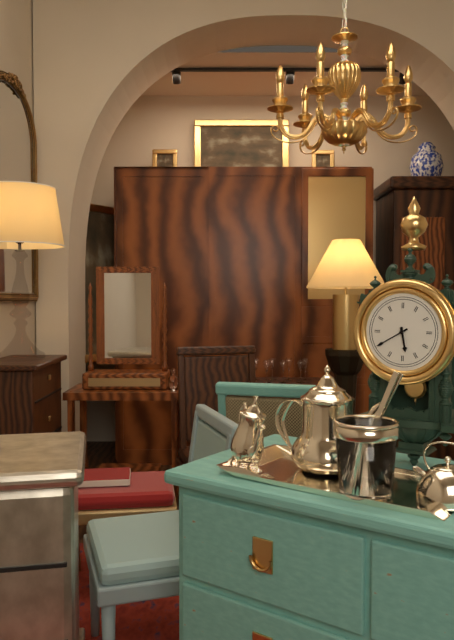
5:40
